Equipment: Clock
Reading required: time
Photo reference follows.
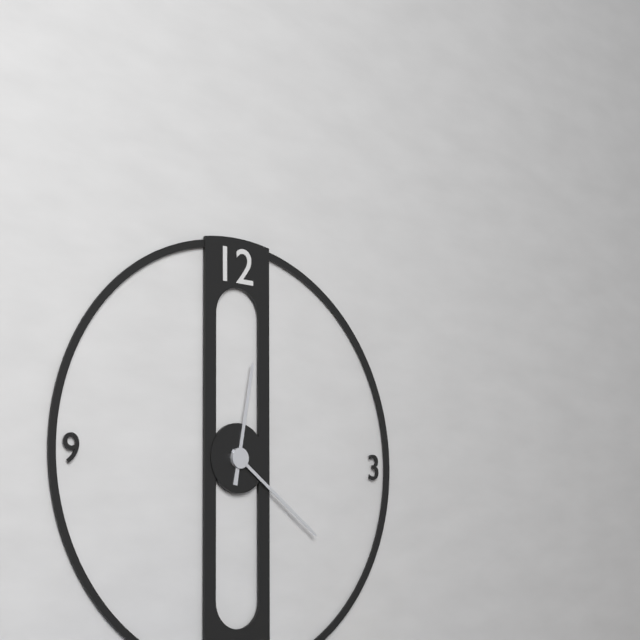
12:21
